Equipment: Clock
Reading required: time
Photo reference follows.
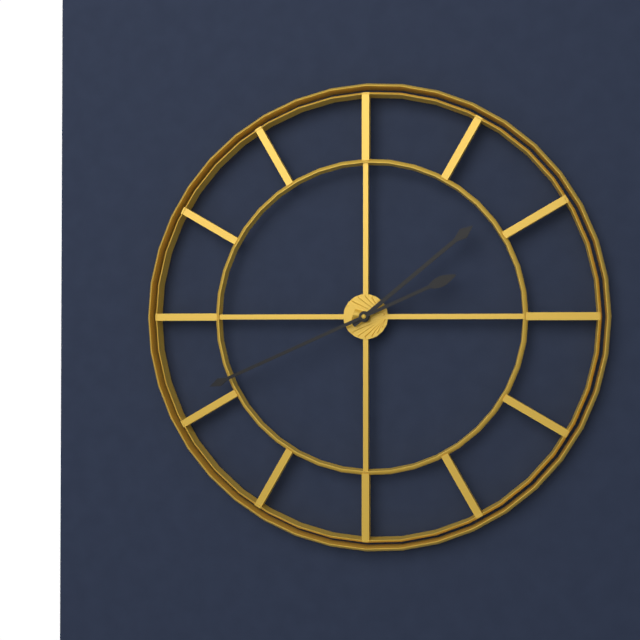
1:41
